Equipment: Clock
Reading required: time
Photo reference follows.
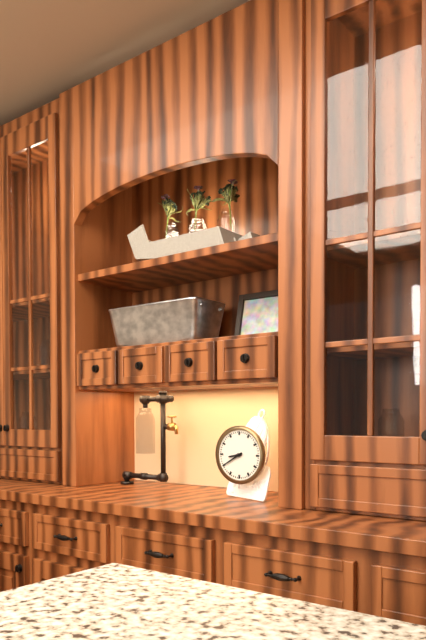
8:40
